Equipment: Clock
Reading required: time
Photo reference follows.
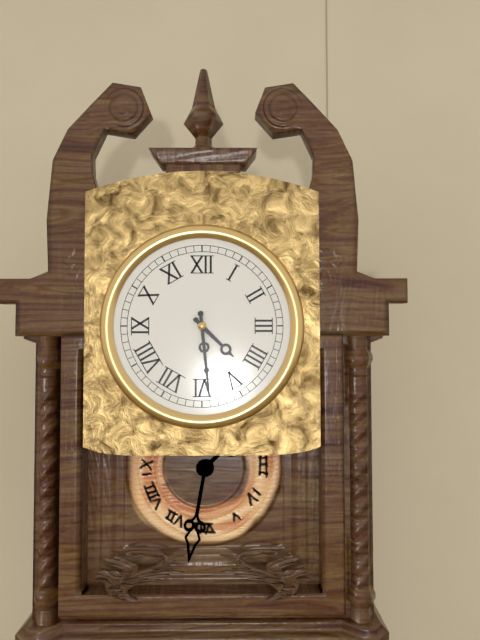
4:29
